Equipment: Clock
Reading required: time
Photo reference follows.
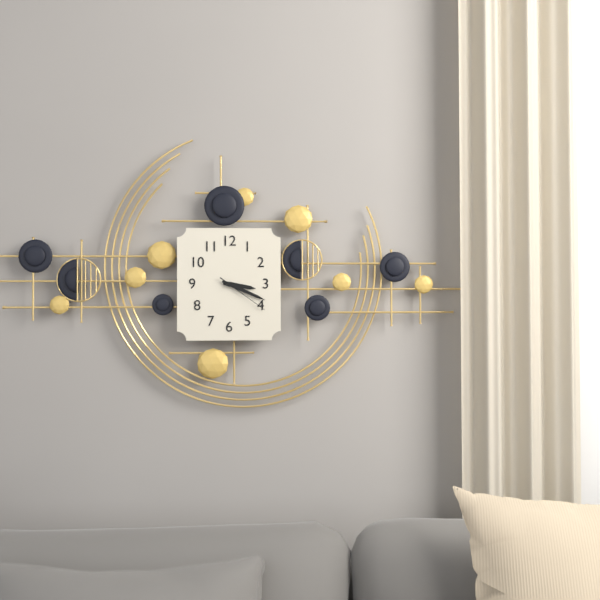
3:19:21
